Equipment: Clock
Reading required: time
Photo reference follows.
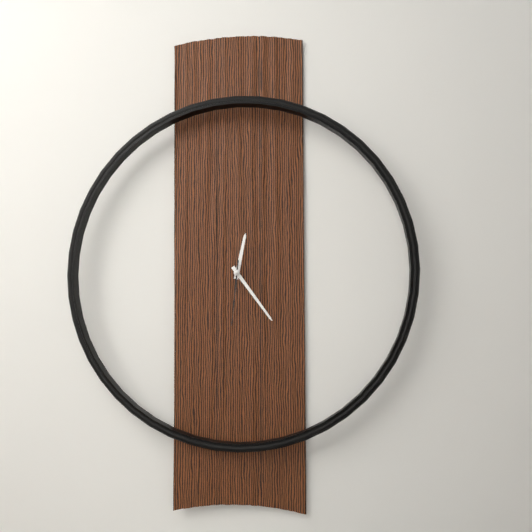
12:24:31
